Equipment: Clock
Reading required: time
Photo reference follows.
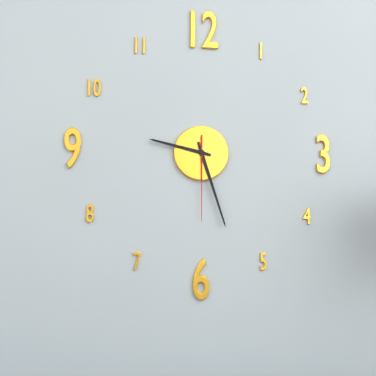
9:27:30
